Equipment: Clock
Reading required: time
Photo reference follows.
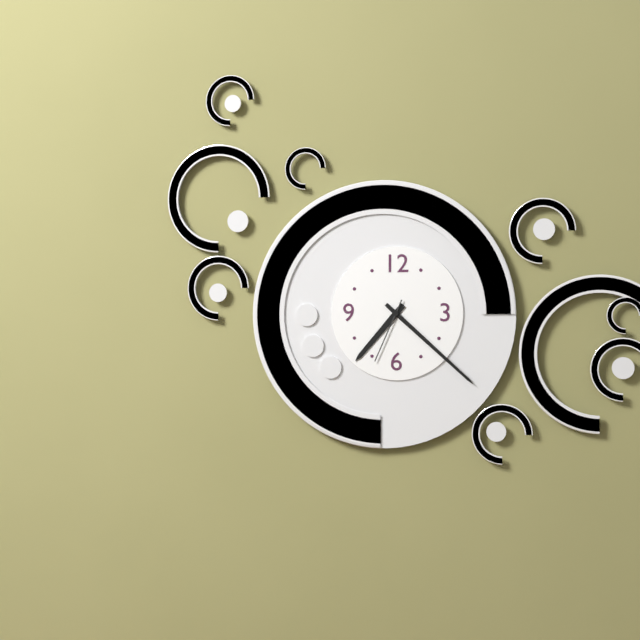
7:22:34
